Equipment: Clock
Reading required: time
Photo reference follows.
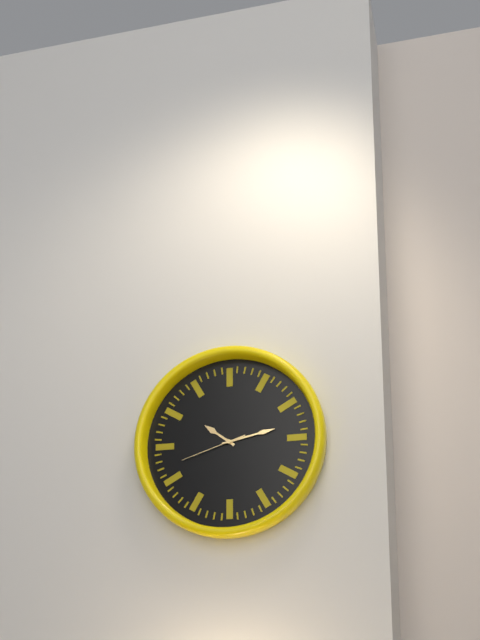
10:13:42
